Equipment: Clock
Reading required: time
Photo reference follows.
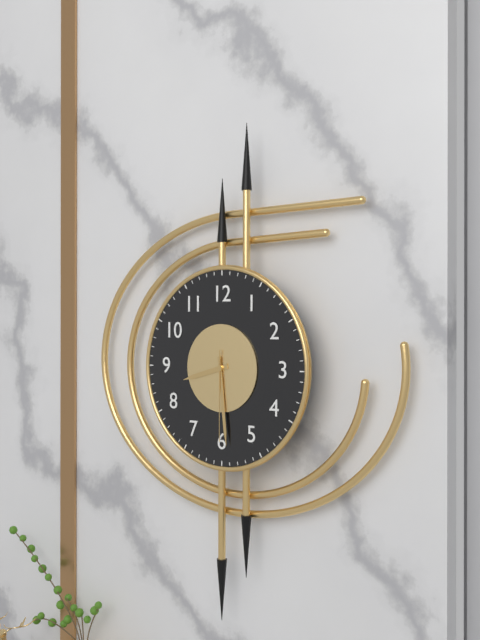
8:29:30
